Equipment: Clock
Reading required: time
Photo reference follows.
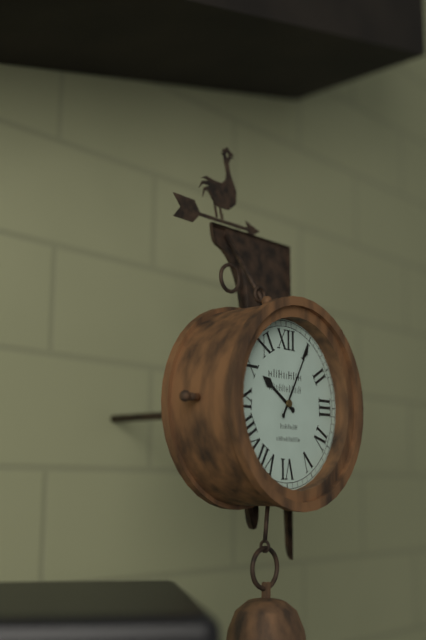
10:05
